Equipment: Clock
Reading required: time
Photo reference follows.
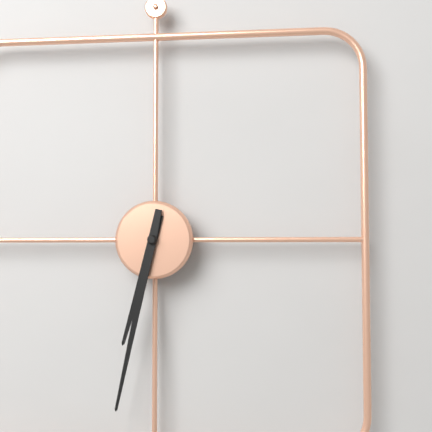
6:32
